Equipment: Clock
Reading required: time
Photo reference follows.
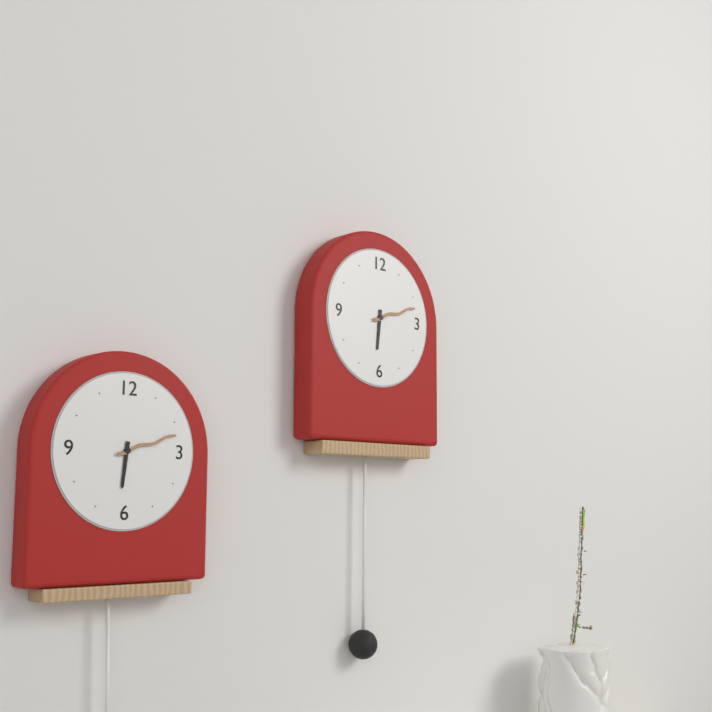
6:12
